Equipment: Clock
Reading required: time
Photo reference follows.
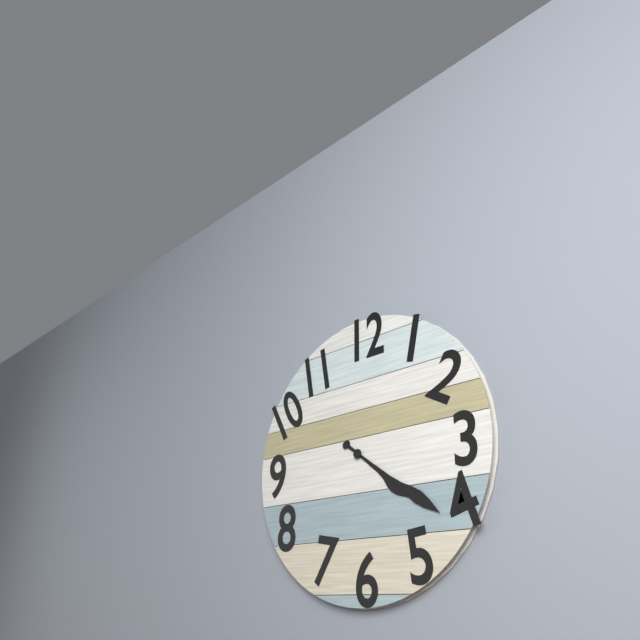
4:21
